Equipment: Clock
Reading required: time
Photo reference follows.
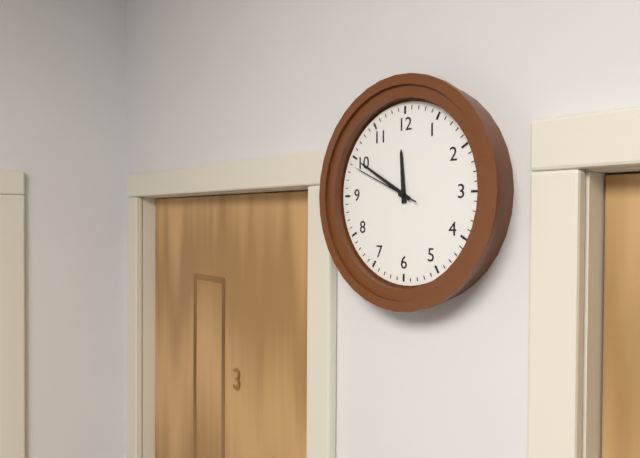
11:50:49
